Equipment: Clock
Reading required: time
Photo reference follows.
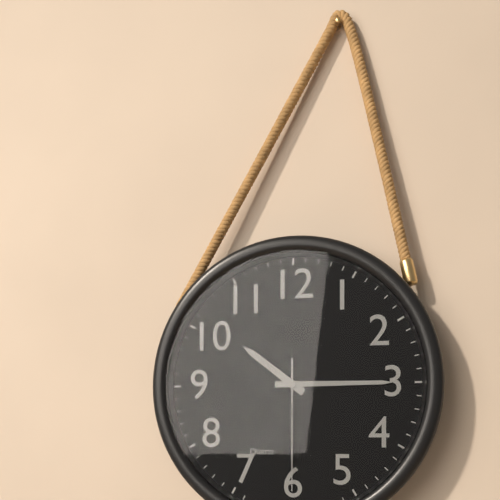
10:15:30
